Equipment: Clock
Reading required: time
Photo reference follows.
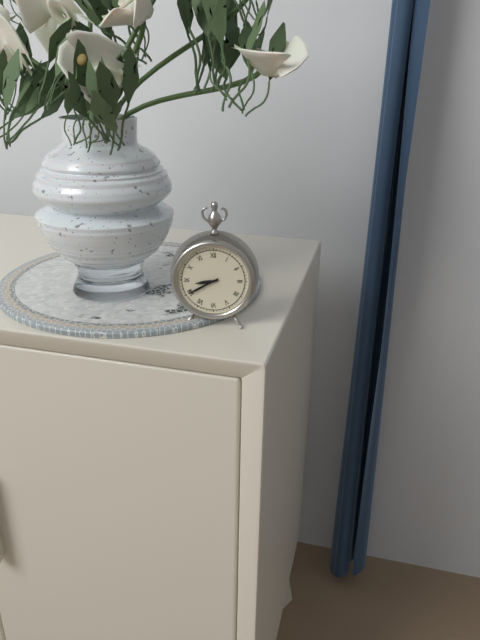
8:40
